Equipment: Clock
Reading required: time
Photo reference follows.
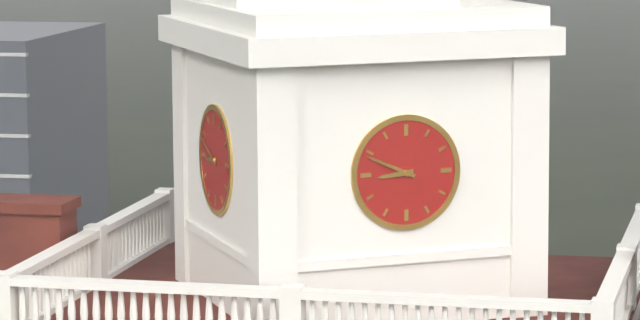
8:49
